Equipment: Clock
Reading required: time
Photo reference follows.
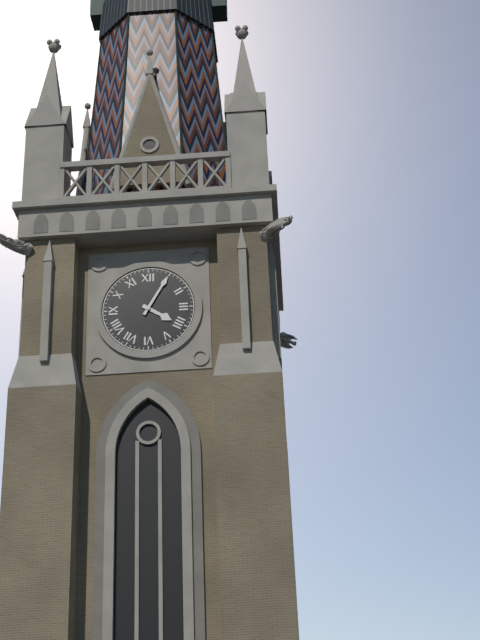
4:05
